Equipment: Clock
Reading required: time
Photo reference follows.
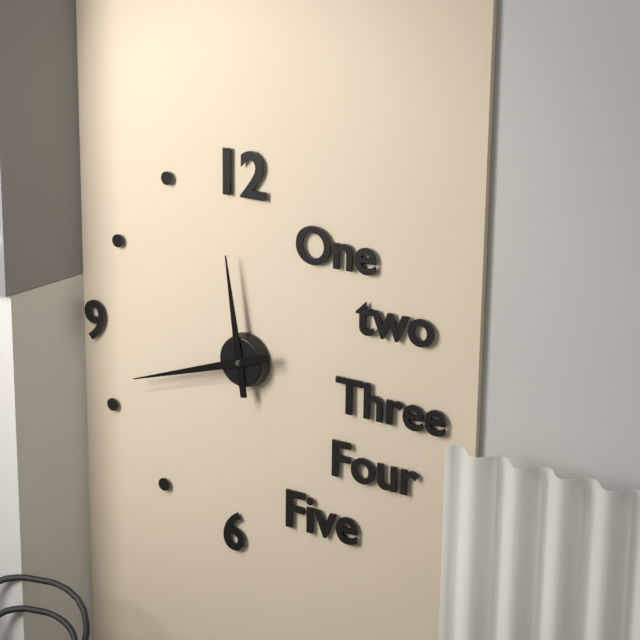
11:42
